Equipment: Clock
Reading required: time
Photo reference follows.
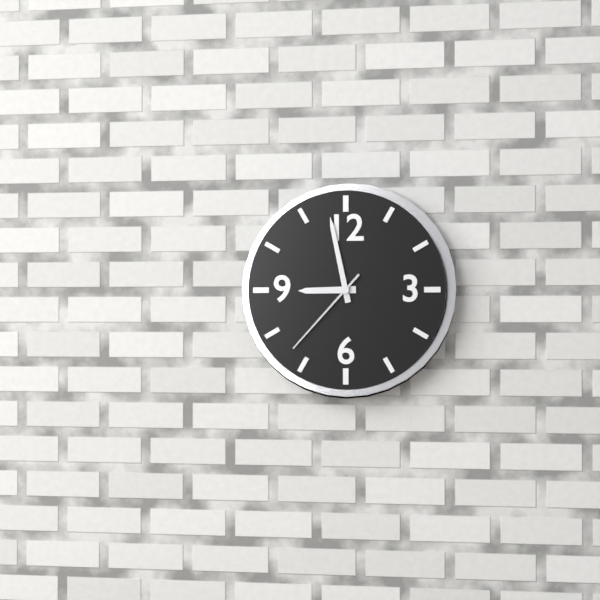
8:58:37
